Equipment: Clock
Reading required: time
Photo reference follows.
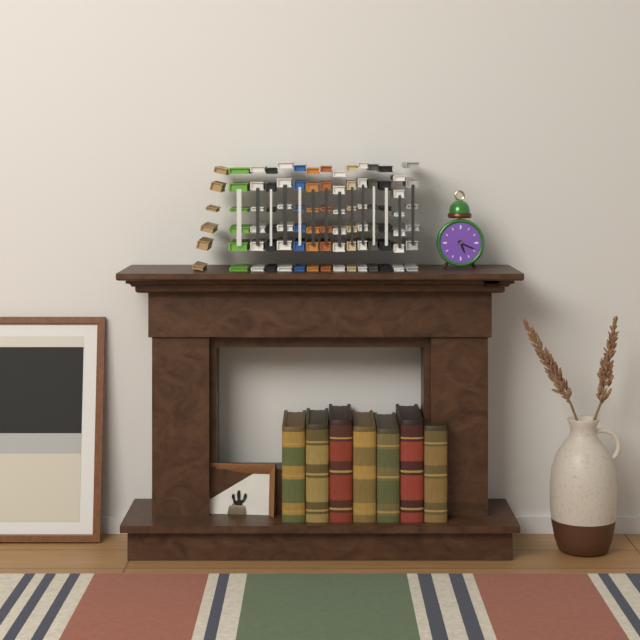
5:19
